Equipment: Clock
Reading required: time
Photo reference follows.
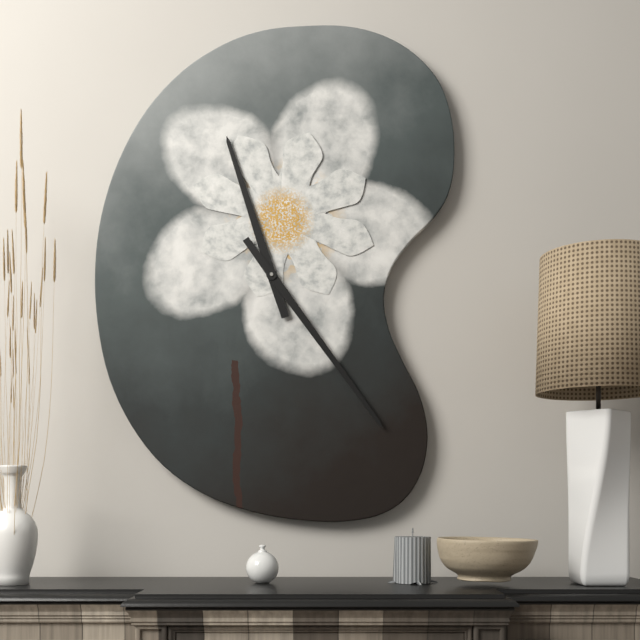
11:24
